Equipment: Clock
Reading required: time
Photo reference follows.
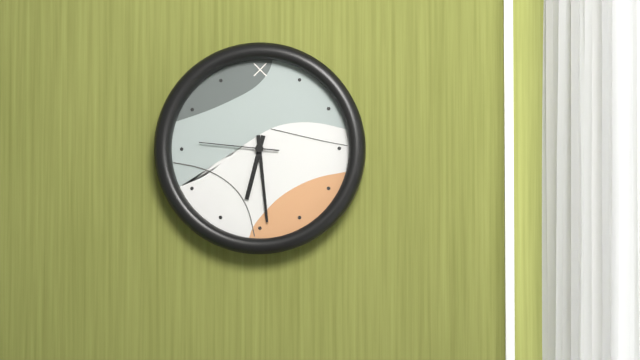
6:29:46
